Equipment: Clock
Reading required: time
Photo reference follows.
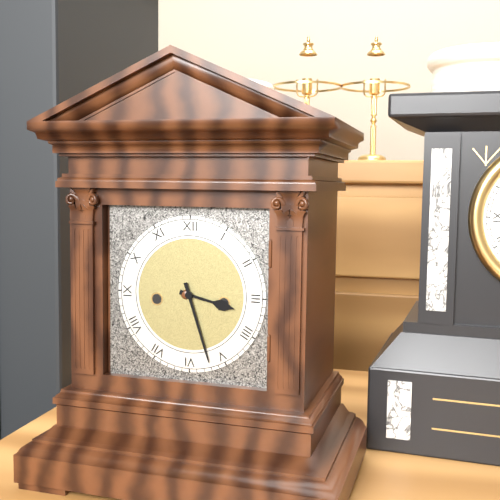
3:27
